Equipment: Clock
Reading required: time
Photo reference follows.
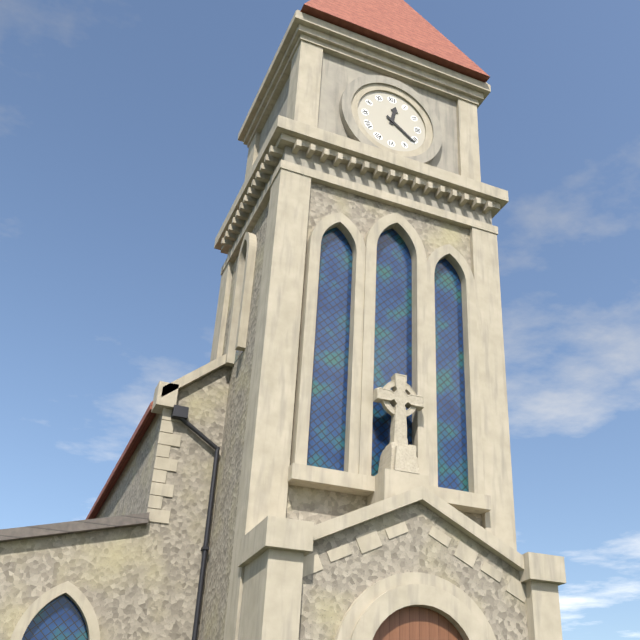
12:21
